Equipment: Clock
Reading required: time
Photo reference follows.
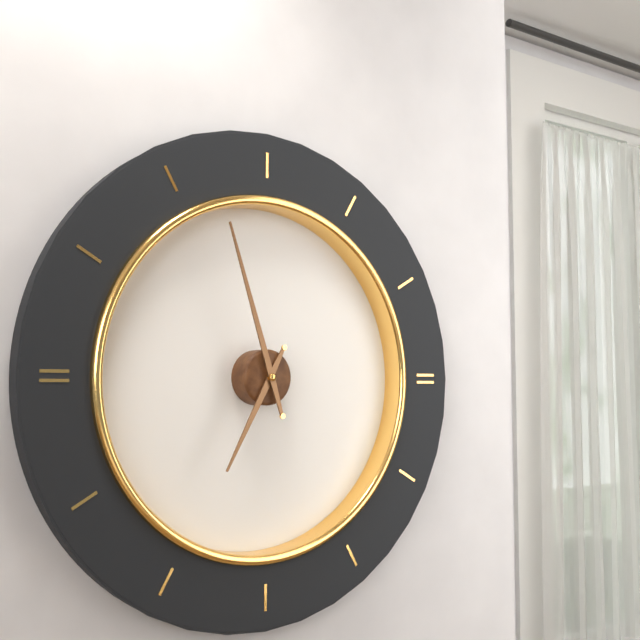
6:57
